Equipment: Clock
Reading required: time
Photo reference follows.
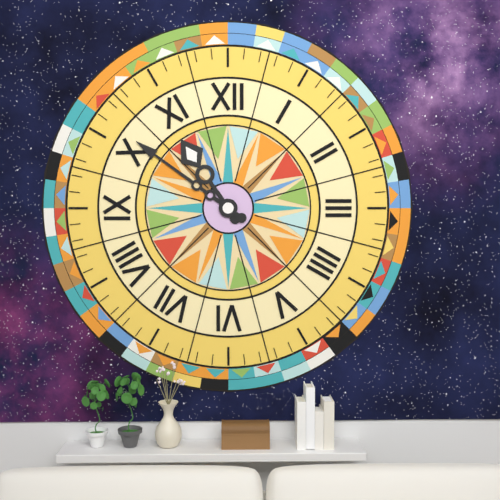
10:51
